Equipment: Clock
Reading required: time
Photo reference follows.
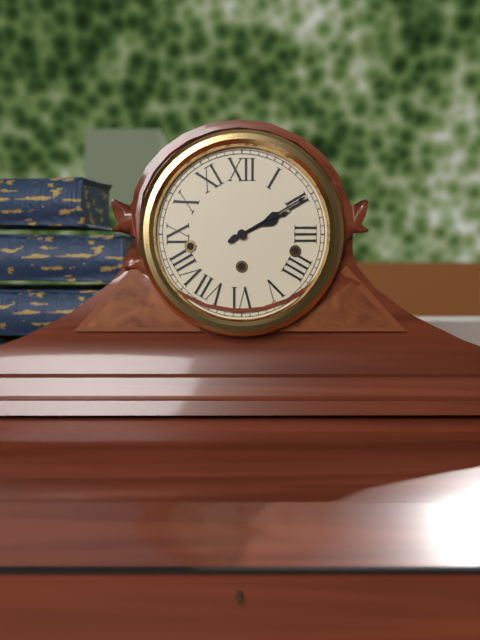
2:10
